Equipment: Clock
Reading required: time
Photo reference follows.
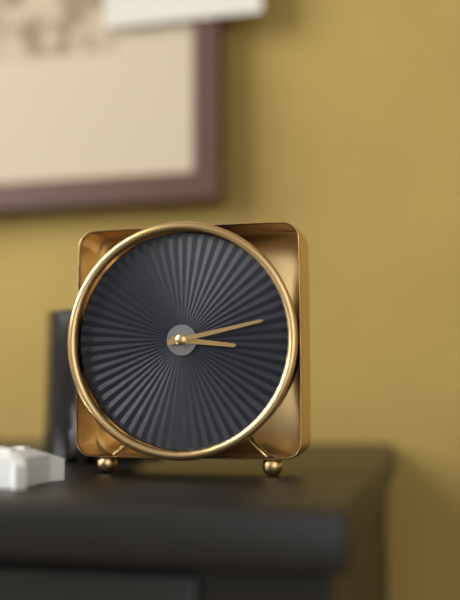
3:13
